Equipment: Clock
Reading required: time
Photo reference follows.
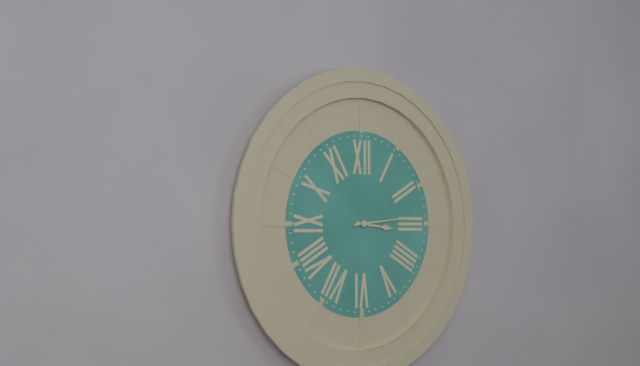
3:14
